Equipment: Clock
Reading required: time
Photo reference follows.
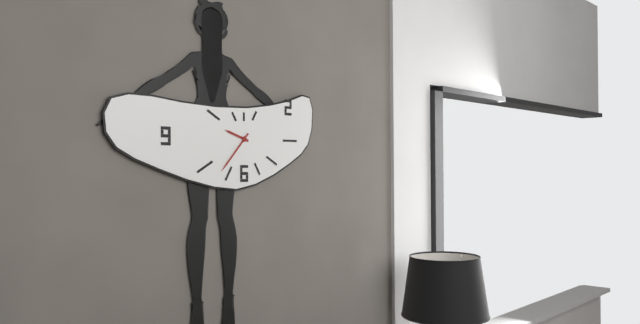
9:37
